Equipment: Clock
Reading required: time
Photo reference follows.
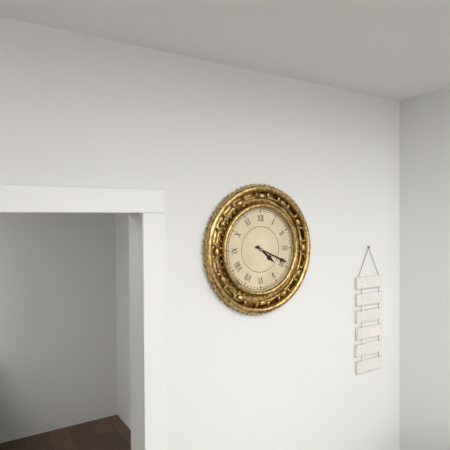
4:19
